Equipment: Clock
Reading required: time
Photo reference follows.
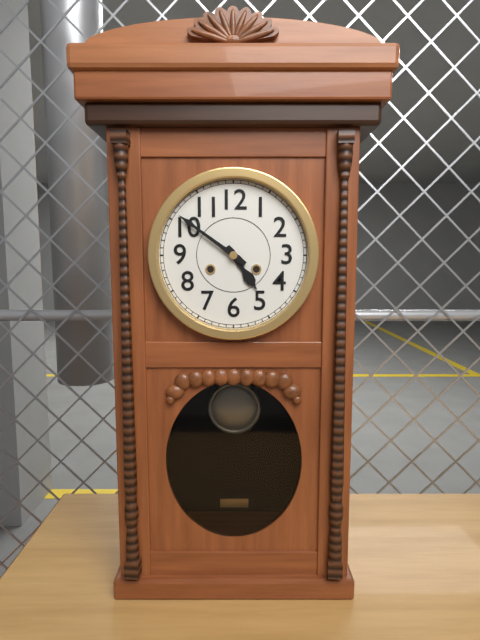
4:51
